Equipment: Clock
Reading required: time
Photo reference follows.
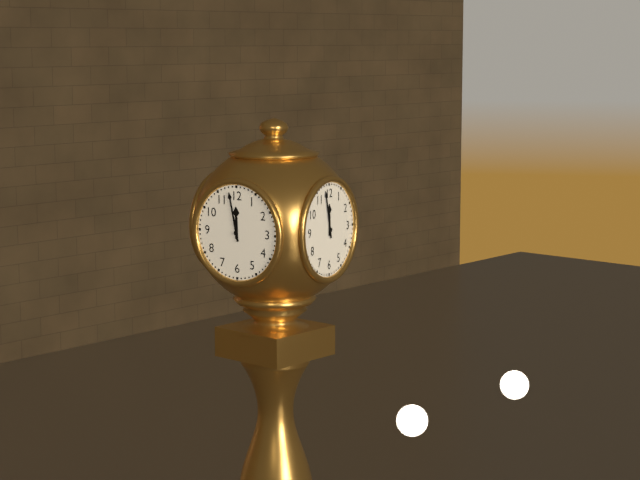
11:58
